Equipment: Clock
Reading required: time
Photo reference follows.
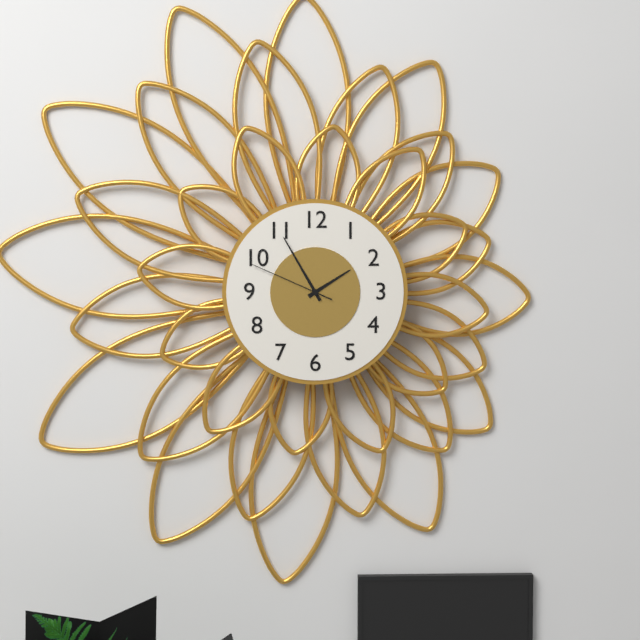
1:55:49
